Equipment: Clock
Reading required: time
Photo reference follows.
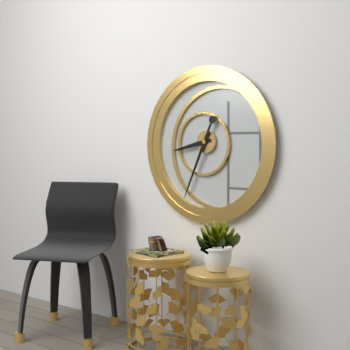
8:34
